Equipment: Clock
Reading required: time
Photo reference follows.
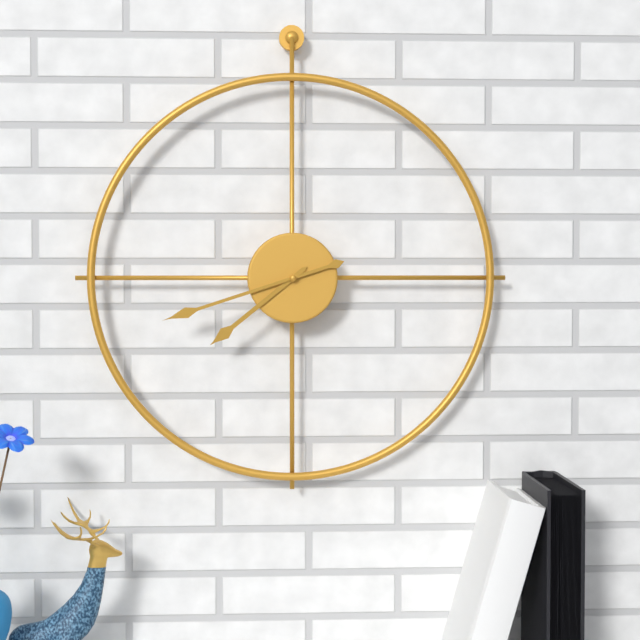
7:42
